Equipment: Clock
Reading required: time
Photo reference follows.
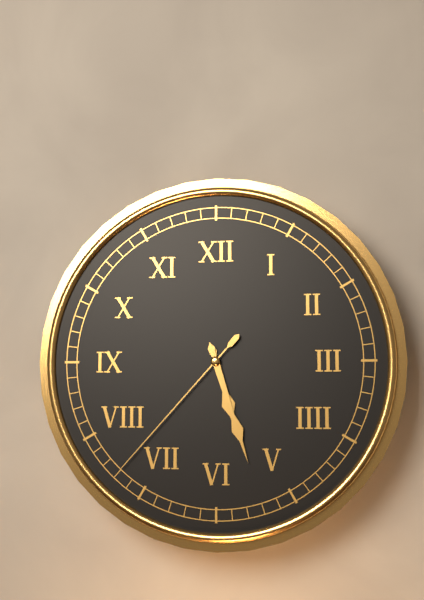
5:27:37
